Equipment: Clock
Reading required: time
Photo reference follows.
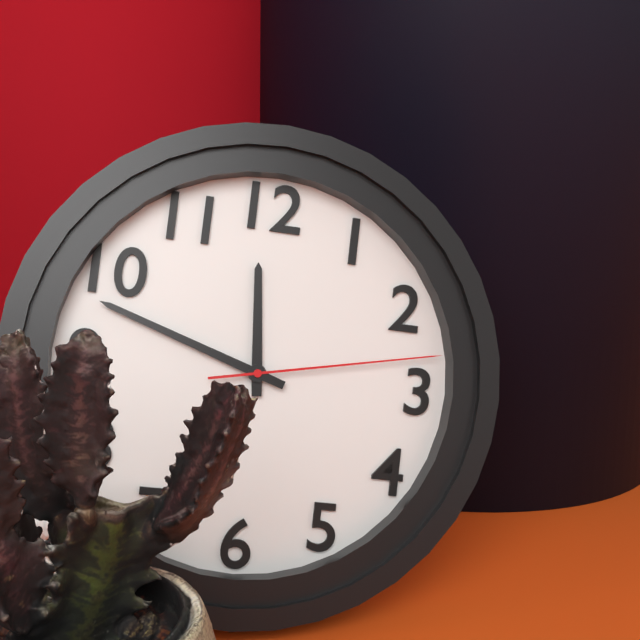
11:48:13
